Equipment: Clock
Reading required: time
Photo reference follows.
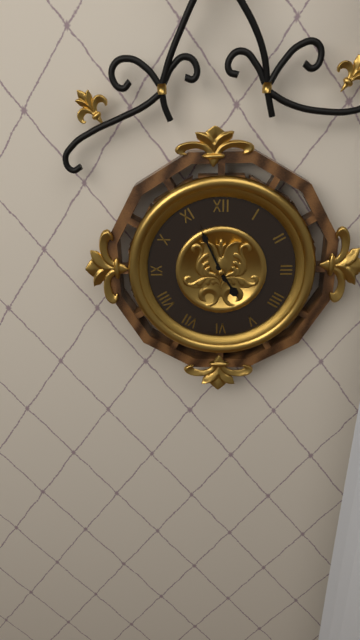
4:56
